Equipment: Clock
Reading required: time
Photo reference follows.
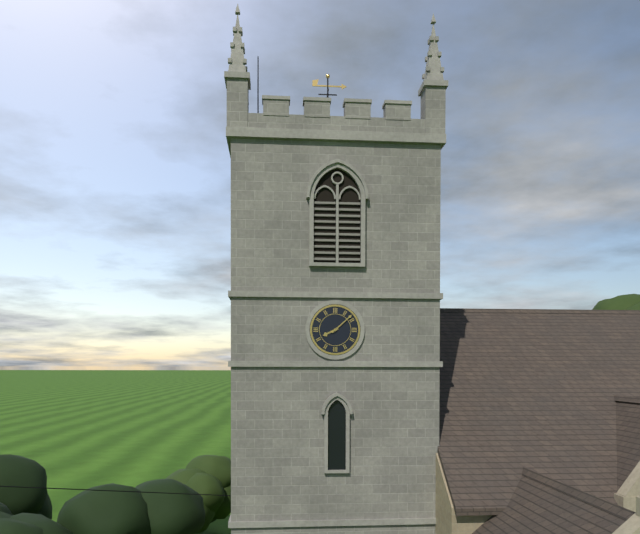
8:08
